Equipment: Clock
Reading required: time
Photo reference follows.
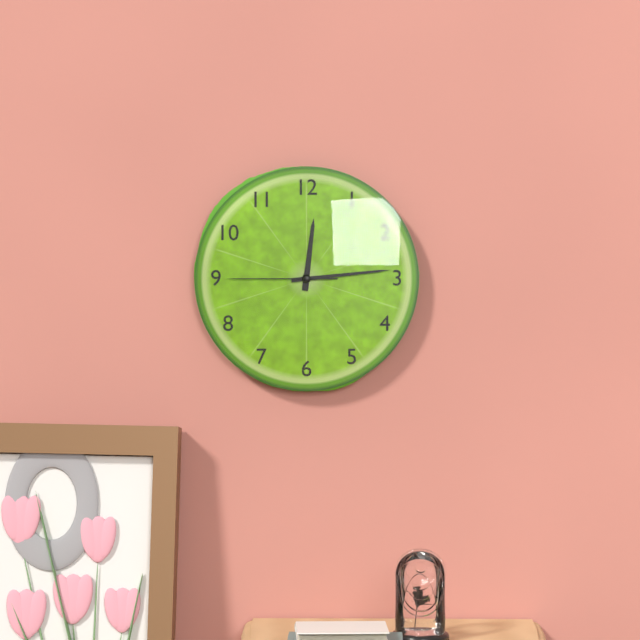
12:14:45
